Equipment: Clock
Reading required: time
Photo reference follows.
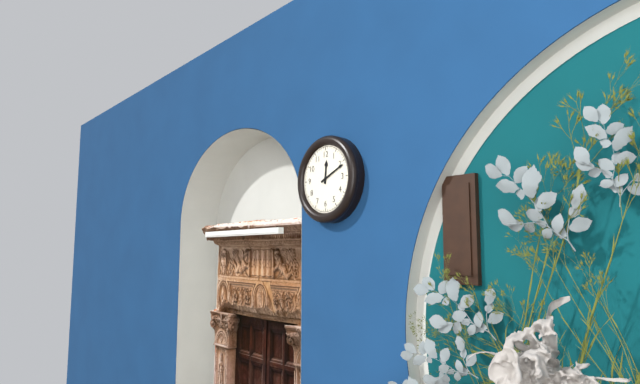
12:11
